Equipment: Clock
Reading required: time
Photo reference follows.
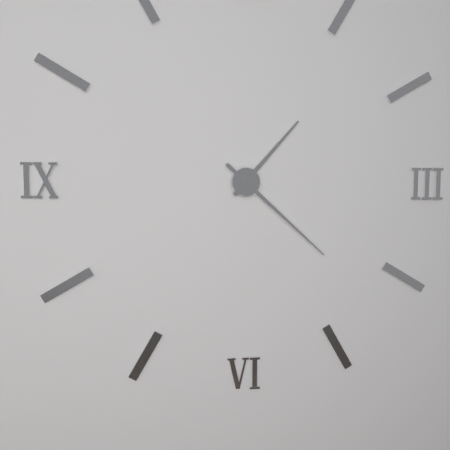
1:22
